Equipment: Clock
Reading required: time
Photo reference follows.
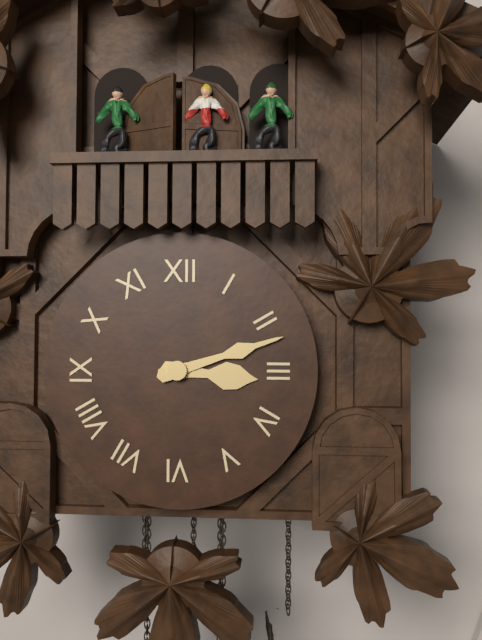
3:12
